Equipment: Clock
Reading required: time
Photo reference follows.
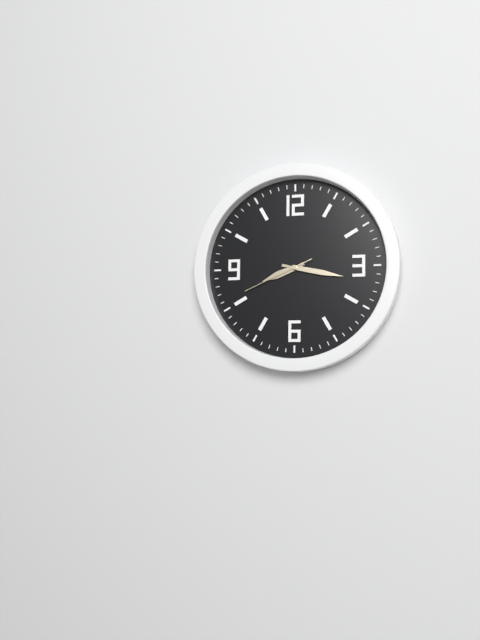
8:17:41
